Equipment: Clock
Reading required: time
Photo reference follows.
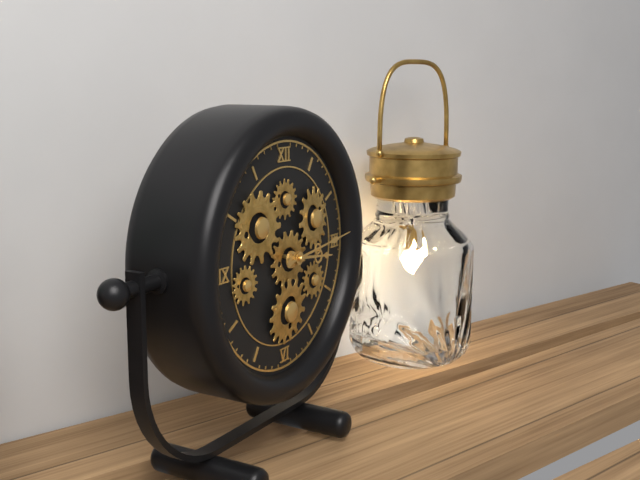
3:14
